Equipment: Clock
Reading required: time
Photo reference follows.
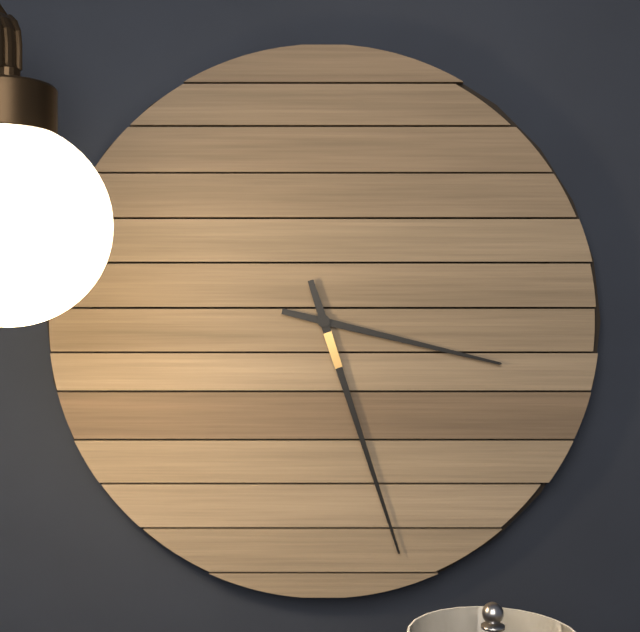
3:27
